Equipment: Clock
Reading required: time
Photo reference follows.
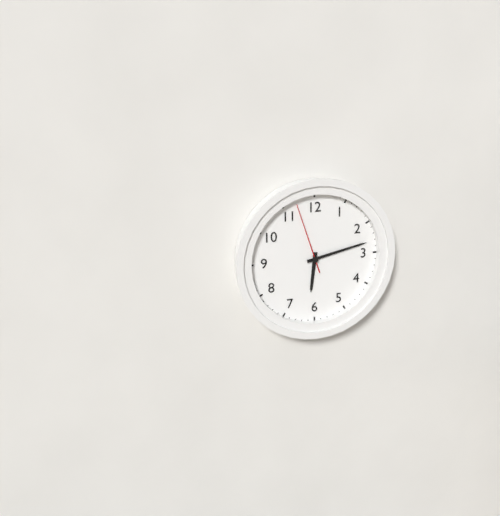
6:13:57
